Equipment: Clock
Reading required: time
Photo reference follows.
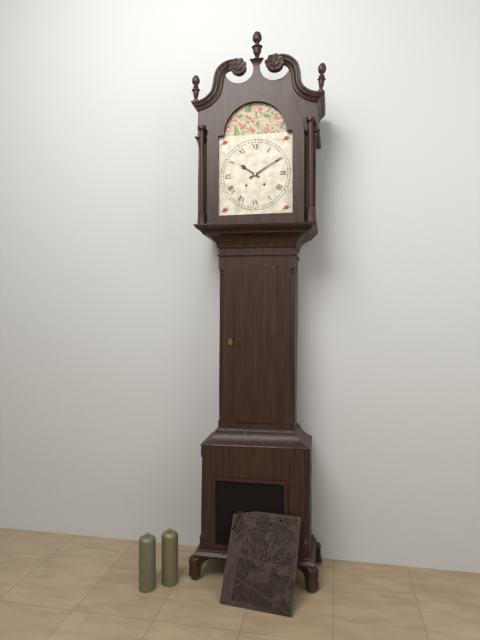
10:10
